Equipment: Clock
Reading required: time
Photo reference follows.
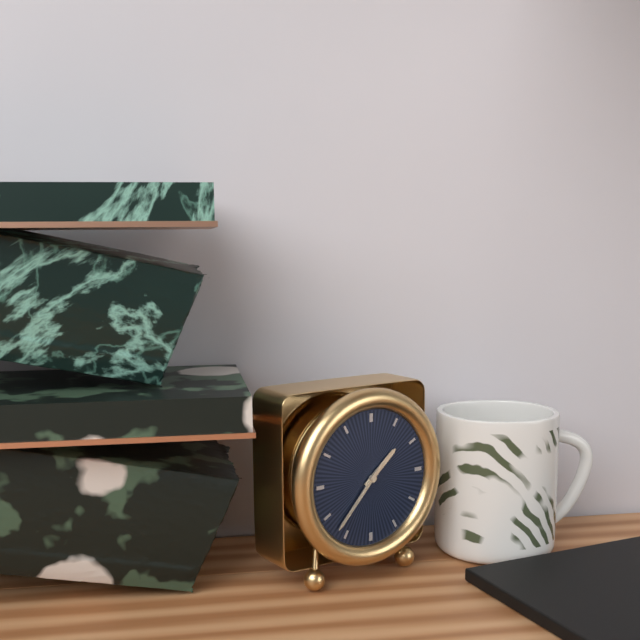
1:37
